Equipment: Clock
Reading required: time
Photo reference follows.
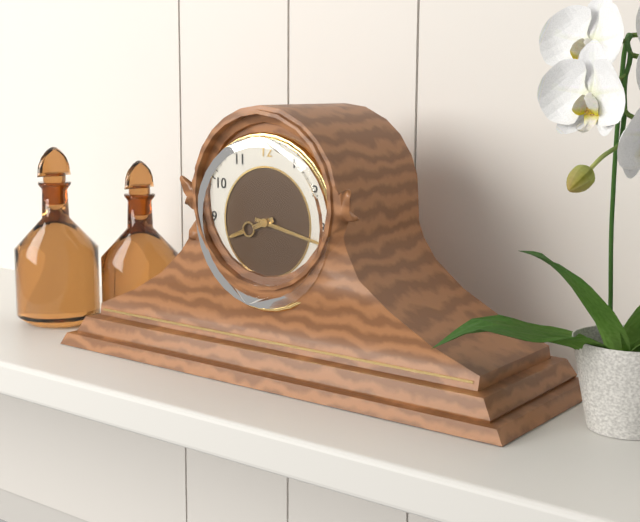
8:17
